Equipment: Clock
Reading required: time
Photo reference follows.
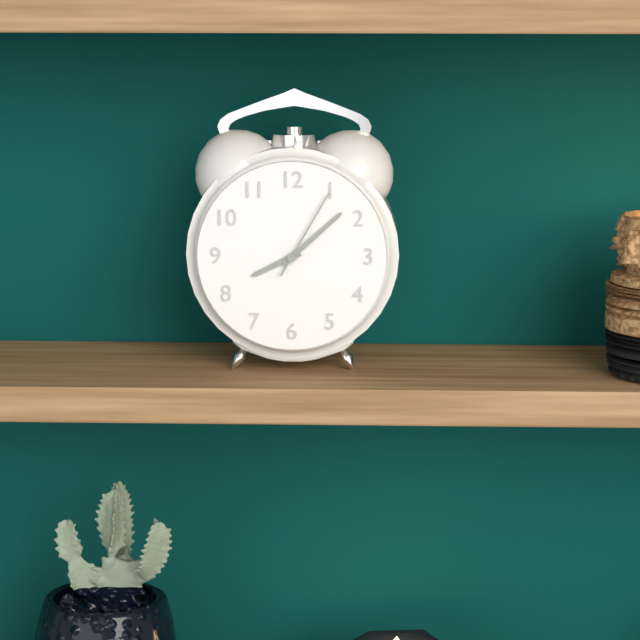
8:08:05
